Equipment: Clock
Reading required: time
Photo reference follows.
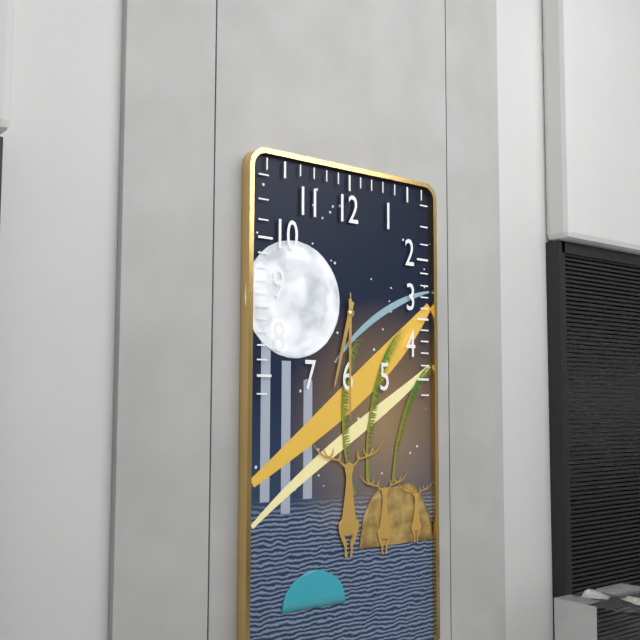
6:30:30
